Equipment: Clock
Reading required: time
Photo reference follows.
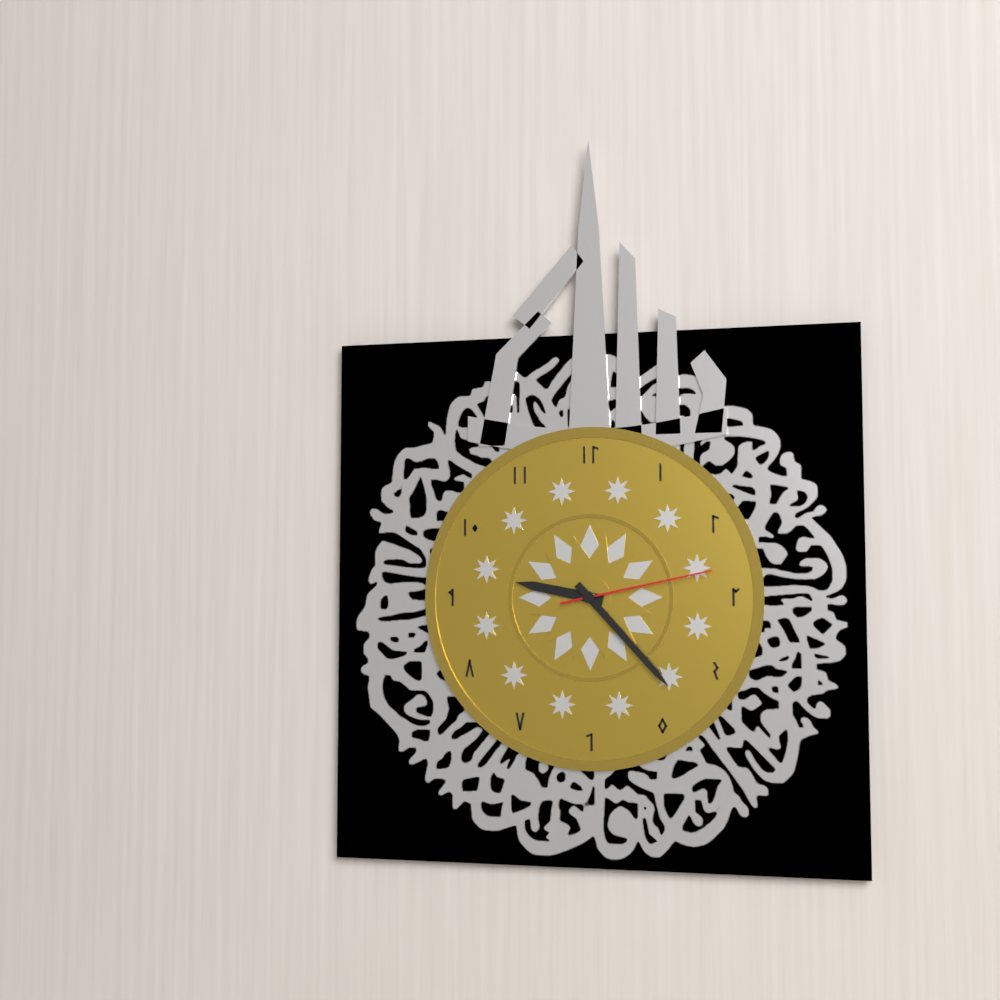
9:23:13
